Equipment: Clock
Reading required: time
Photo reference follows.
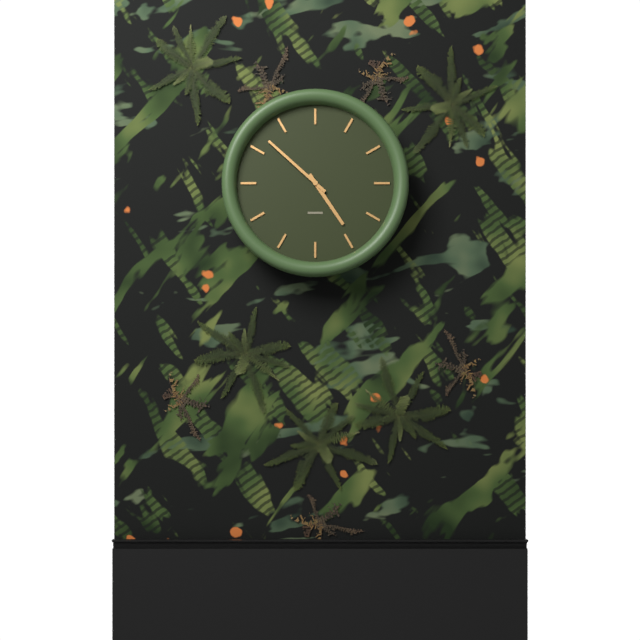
4:52
